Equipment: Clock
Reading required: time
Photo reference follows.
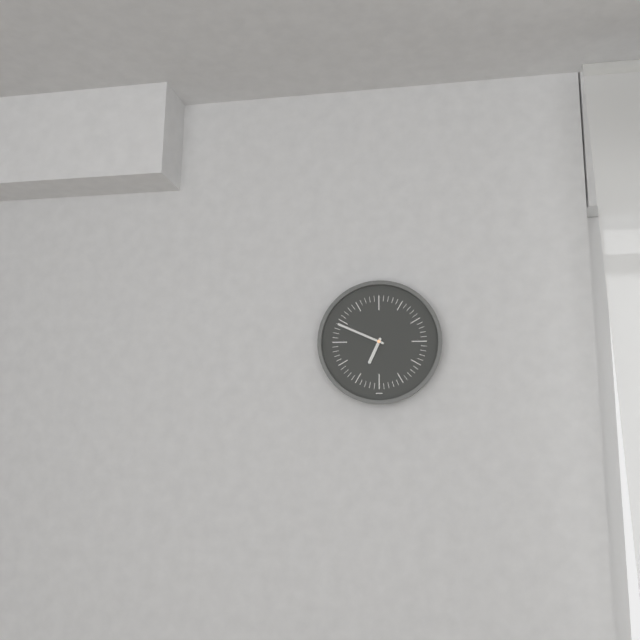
6:49
